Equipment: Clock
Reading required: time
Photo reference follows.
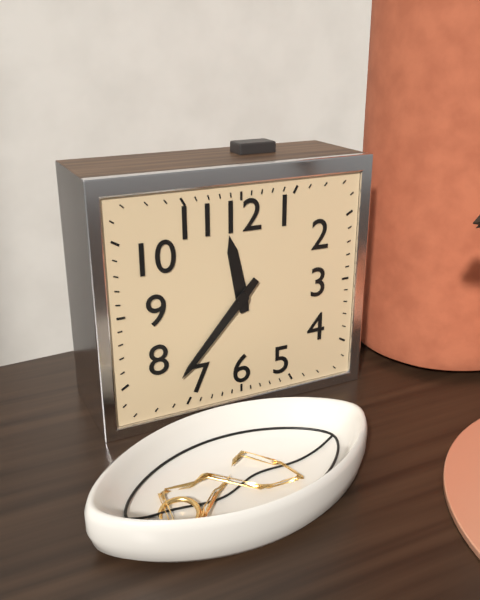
11:37
